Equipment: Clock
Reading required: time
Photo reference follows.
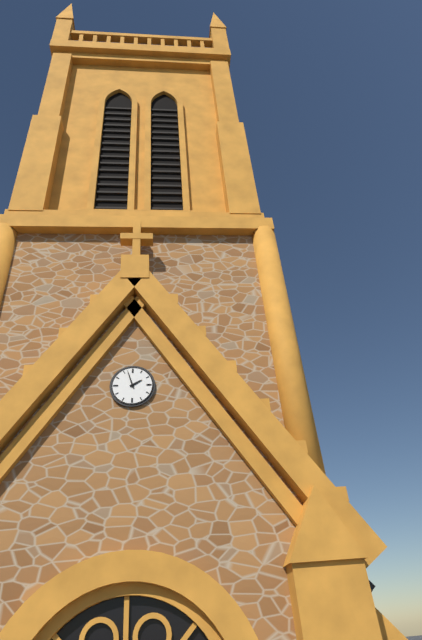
1:57
